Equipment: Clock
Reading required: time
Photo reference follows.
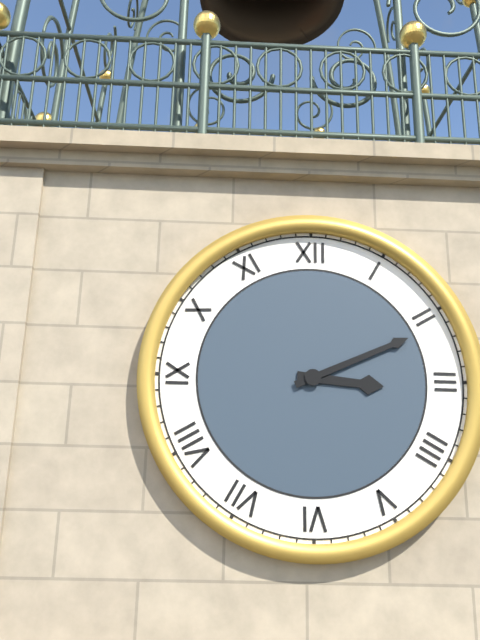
3:11
